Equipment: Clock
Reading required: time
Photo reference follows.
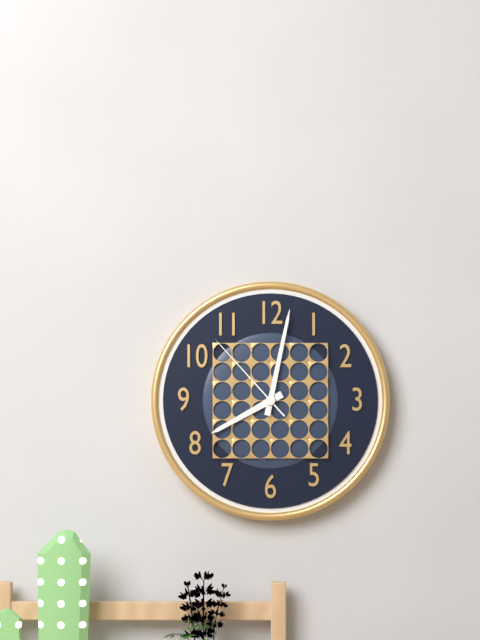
8:02:53
